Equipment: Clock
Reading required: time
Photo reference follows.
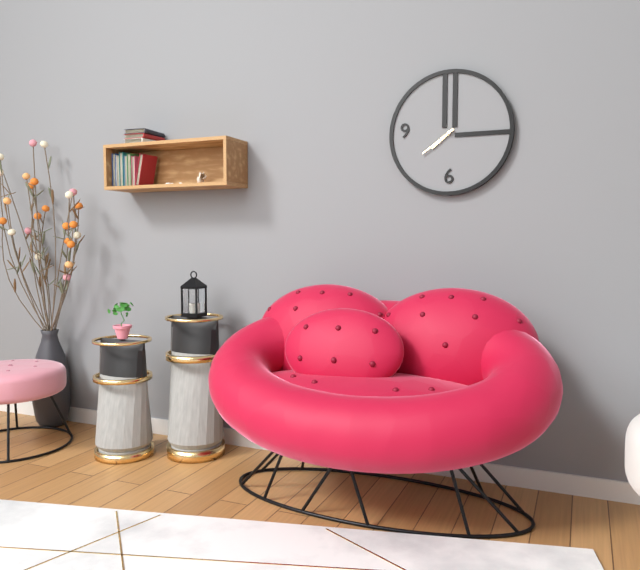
7:39
